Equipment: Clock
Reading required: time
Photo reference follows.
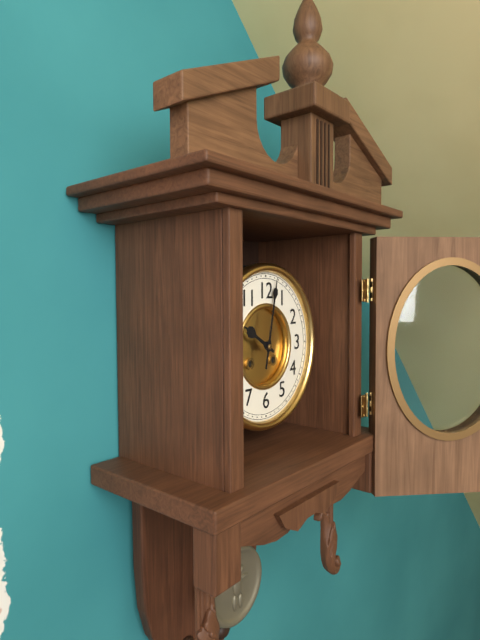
10:02
